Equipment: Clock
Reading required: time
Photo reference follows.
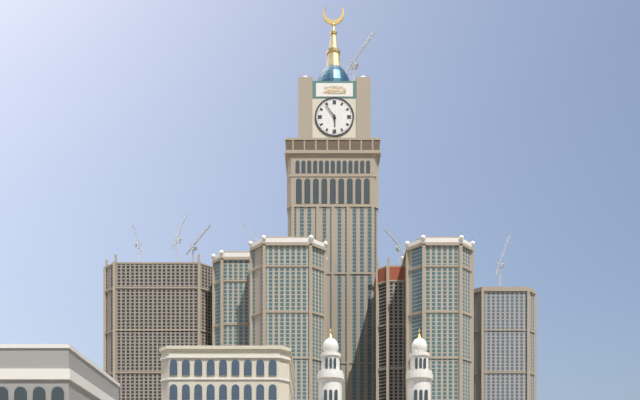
5:54
